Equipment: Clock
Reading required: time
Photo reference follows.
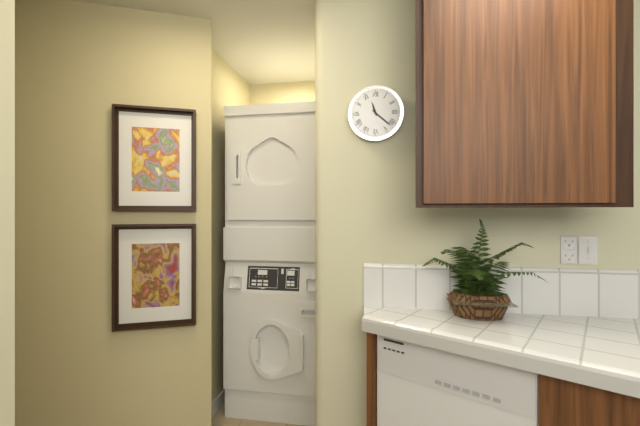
11:22
